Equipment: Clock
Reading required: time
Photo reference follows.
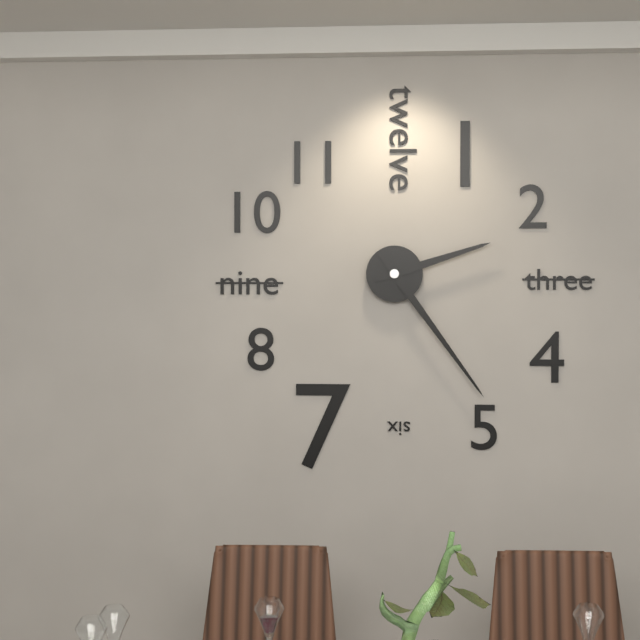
2:24
